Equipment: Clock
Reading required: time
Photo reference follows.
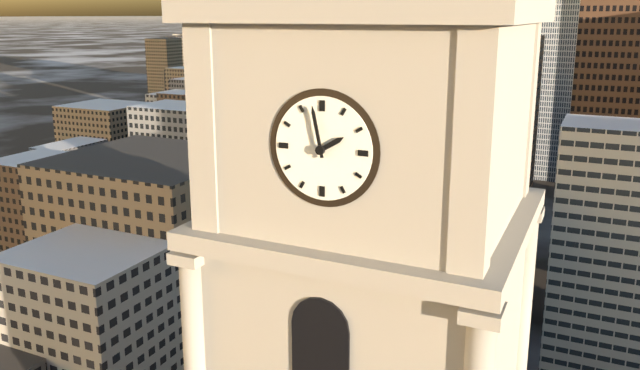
1:58
